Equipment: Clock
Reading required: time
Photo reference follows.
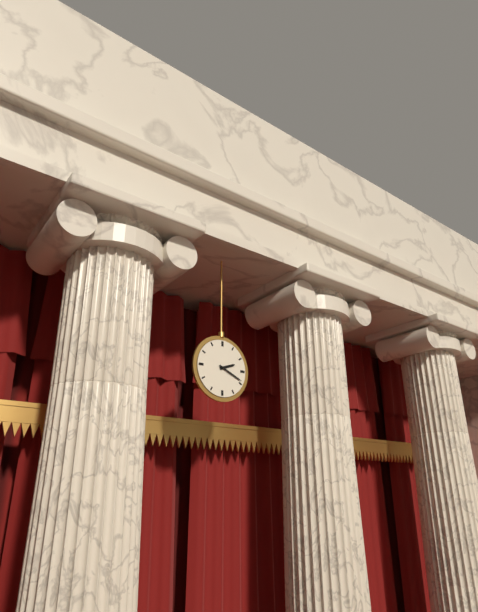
2:19
